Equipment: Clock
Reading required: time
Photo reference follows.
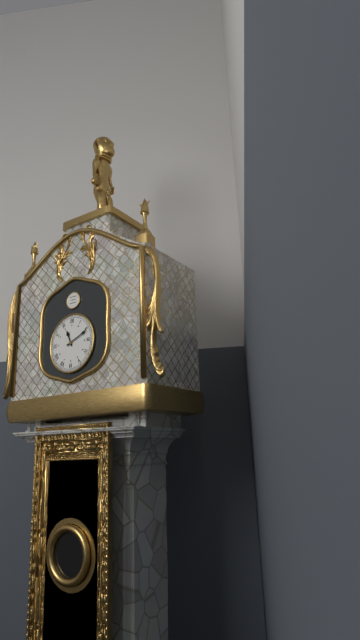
11:11
